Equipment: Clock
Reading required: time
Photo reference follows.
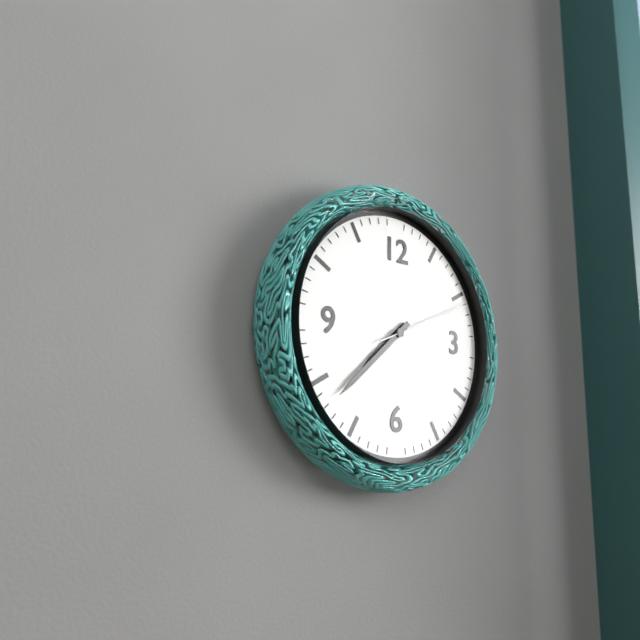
7:38:11
